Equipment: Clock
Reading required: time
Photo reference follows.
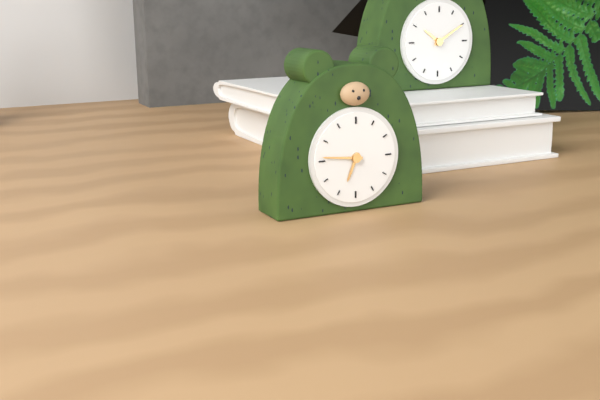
6:46
